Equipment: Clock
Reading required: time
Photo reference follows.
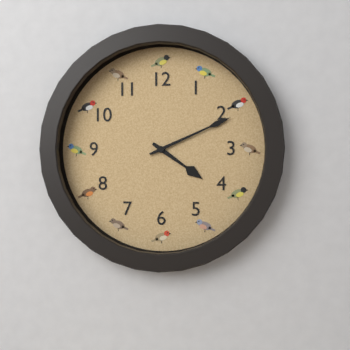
4:11
